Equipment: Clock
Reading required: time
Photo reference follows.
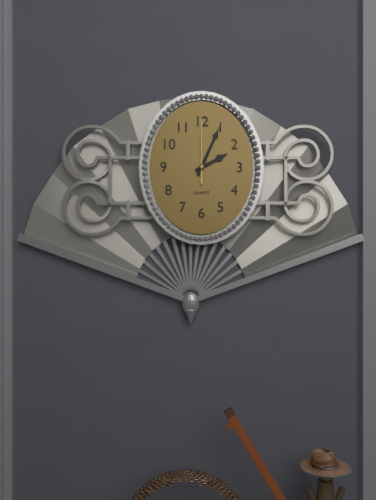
2:04:00
